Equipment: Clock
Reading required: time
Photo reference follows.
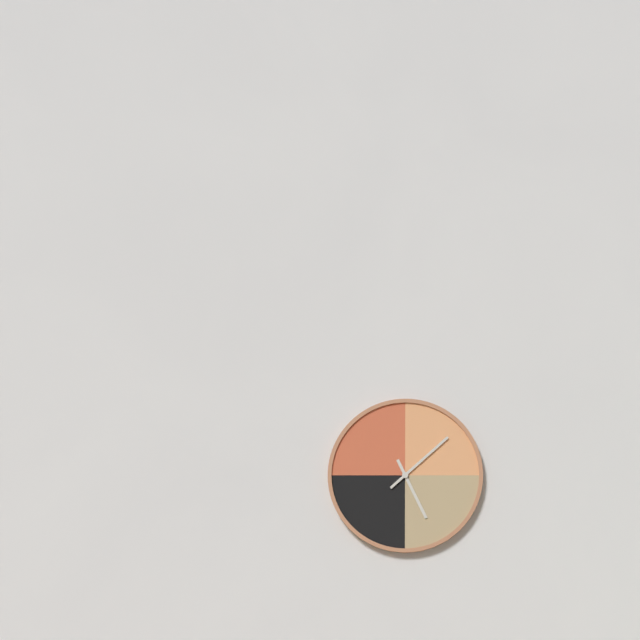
5:08
